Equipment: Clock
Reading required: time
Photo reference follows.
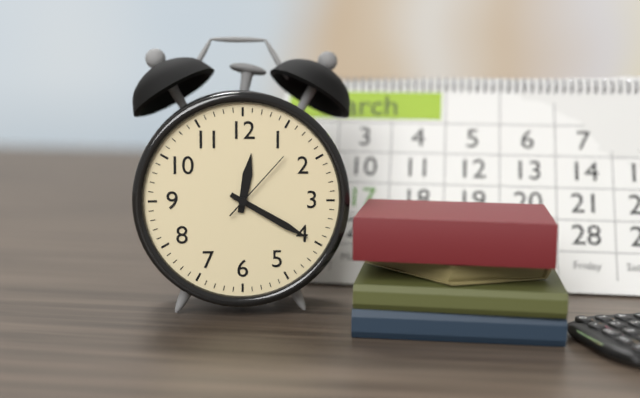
12:20:07
